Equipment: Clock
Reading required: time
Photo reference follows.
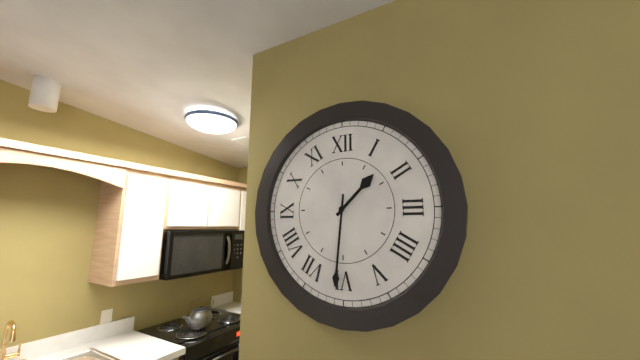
1:31
